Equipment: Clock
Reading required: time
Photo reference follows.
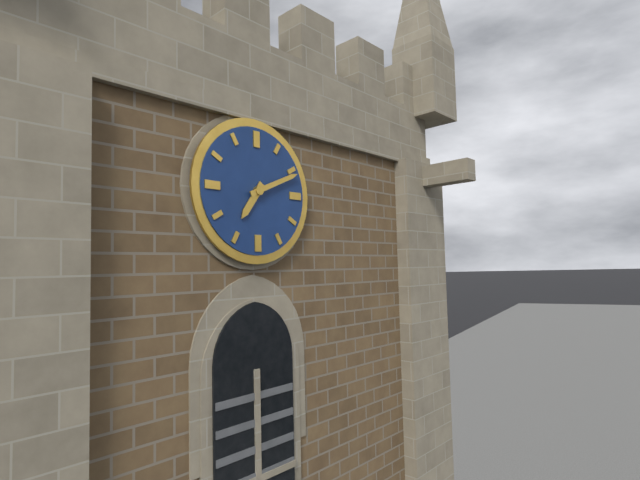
7:11
